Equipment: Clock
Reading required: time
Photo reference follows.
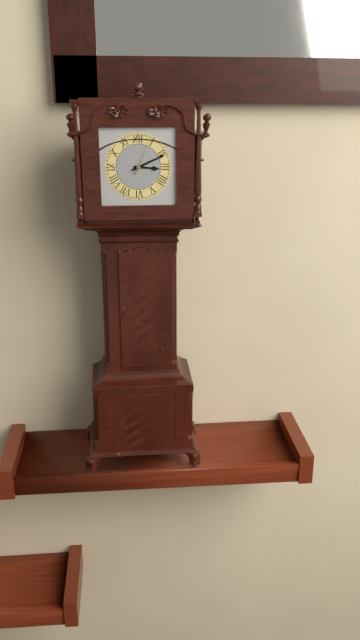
3:11
